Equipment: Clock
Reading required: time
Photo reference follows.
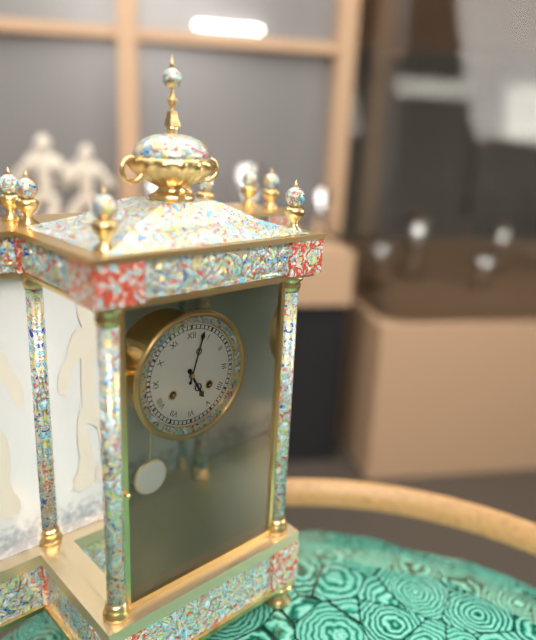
5:03
